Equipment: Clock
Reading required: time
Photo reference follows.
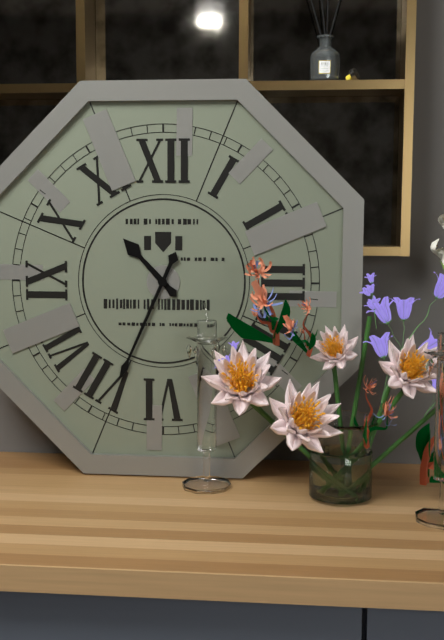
10:34
